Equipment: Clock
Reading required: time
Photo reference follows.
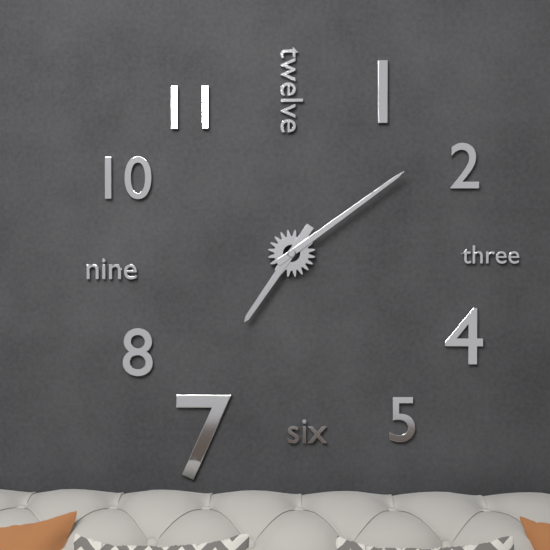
7:09
